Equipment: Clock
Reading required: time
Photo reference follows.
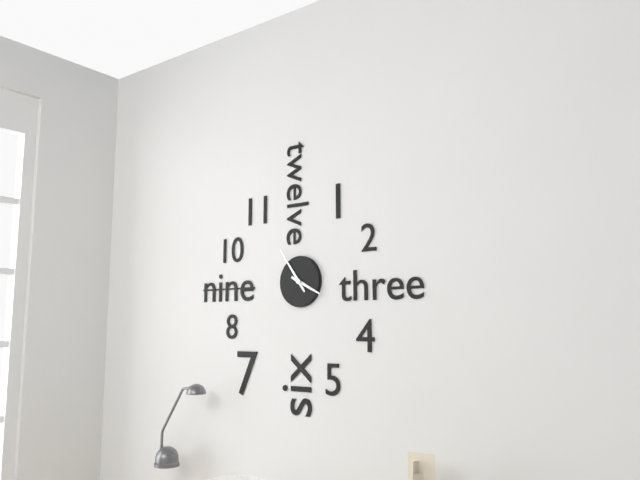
3:54
